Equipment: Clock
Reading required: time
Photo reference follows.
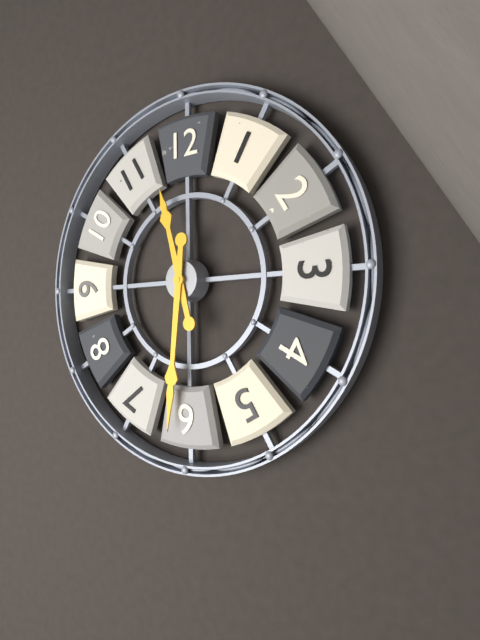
11:31
